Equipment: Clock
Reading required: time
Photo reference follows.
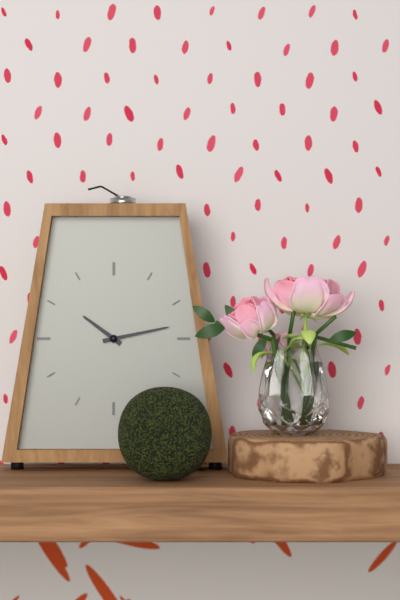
10:13
